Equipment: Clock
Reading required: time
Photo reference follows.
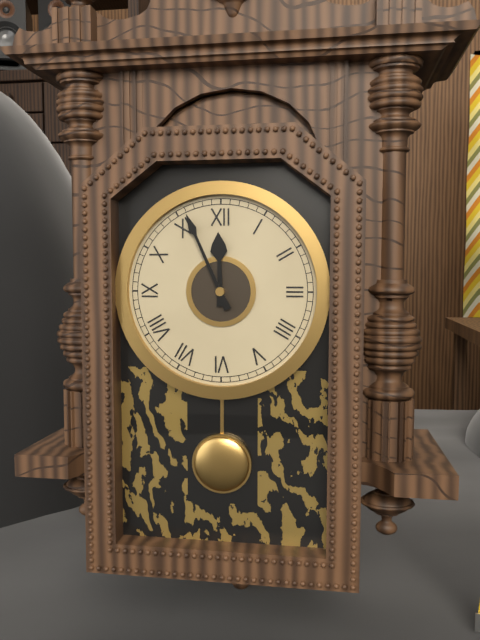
11:56
